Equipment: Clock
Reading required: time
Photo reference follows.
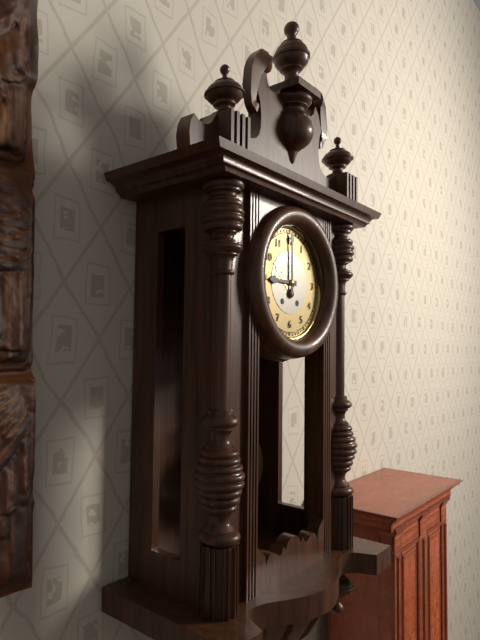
9:00
